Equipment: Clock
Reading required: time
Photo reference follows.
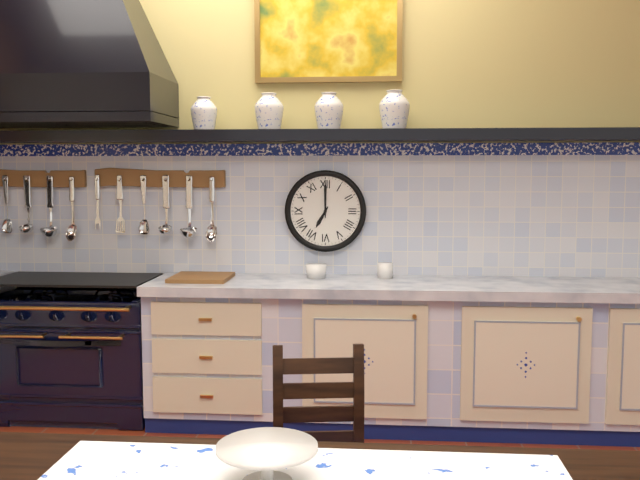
7:00
